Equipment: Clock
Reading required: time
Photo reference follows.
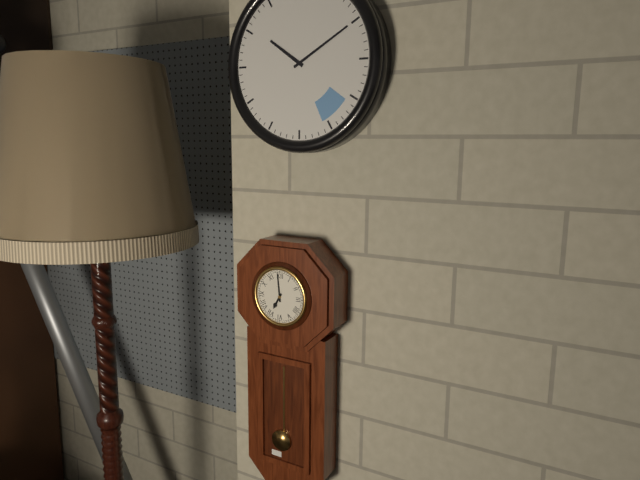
6:59
